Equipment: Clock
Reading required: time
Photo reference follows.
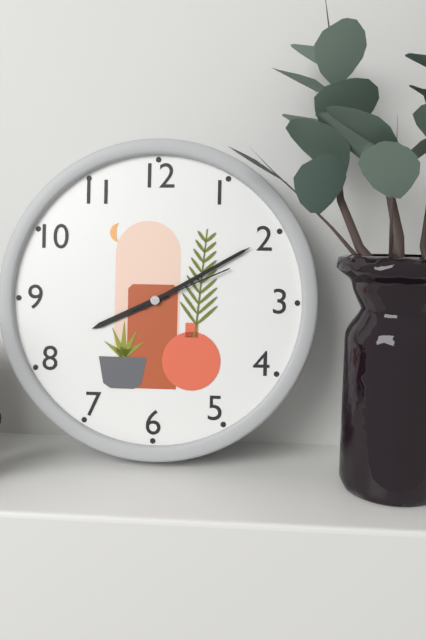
8:10:11
